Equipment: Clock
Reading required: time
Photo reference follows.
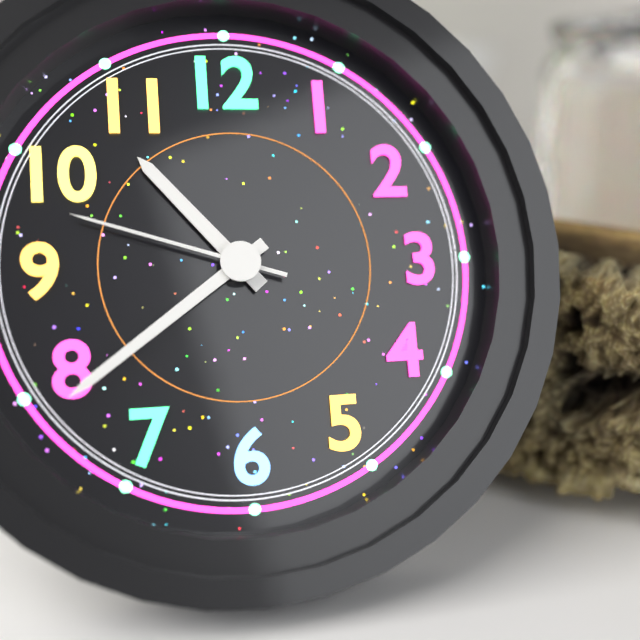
10:39:48
